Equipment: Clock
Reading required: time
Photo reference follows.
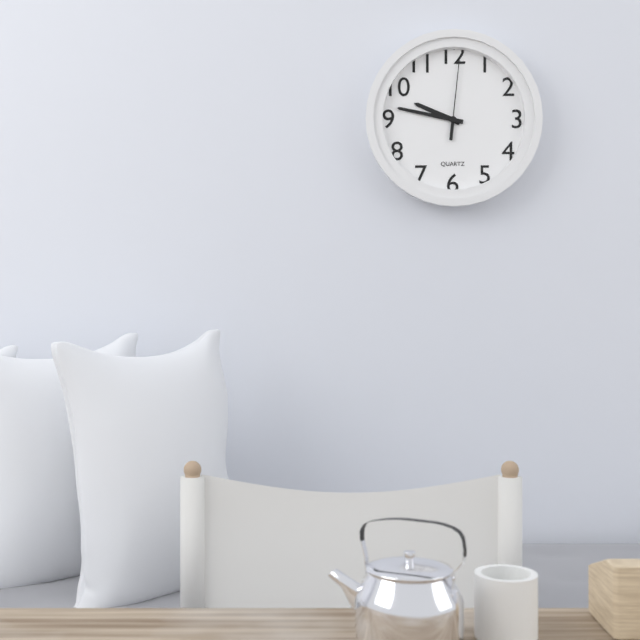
9:47:01
